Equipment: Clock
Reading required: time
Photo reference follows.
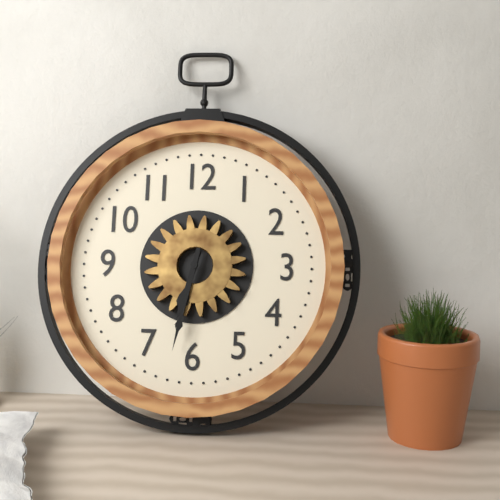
6:32
